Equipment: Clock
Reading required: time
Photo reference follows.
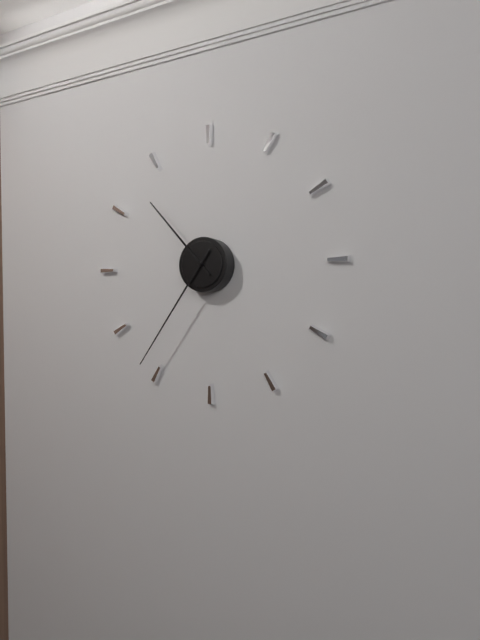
10:36
